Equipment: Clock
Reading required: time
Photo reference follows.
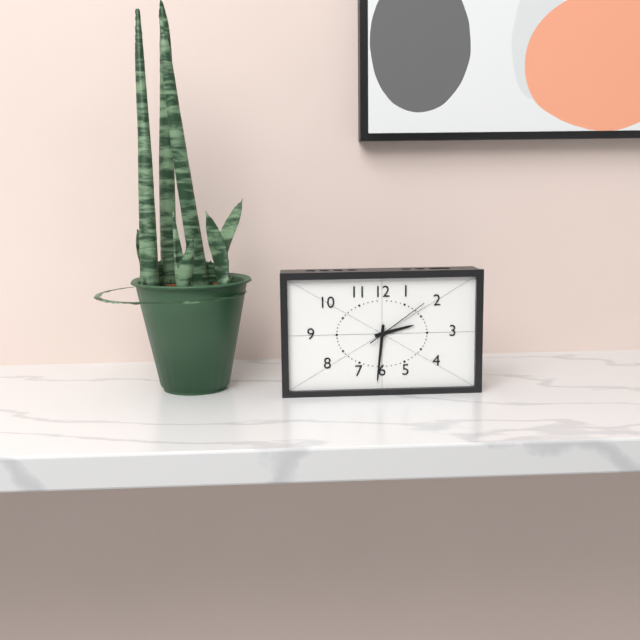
2:31:09
